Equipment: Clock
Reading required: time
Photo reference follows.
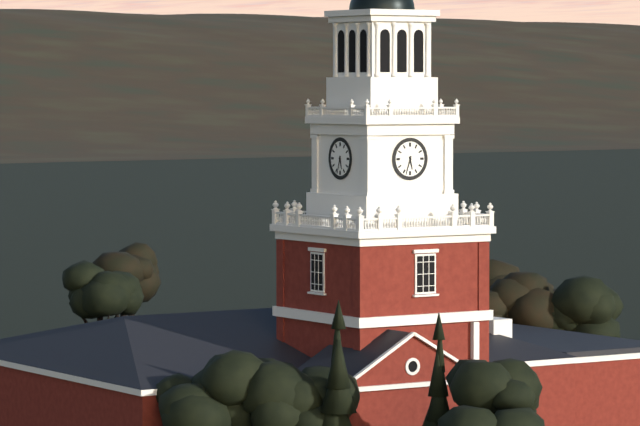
5:33
